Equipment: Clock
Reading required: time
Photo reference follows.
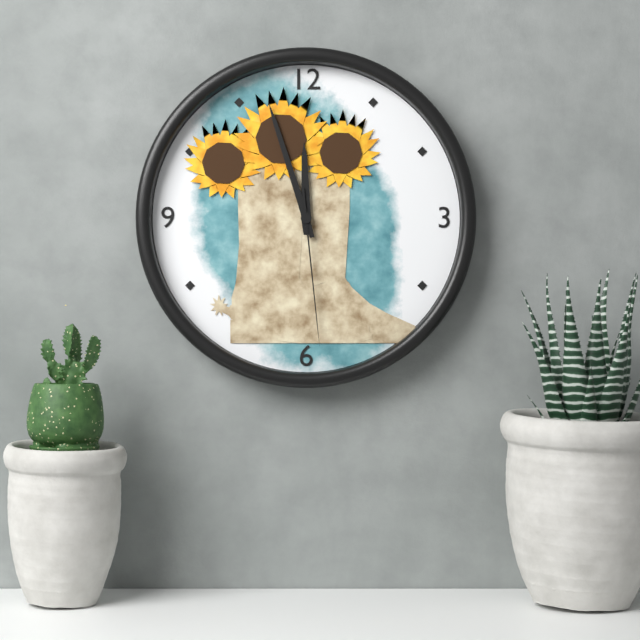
11:57:29
